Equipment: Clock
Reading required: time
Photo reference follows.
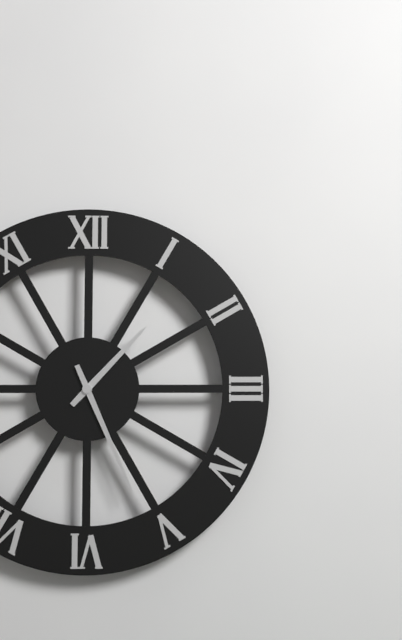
1:26
